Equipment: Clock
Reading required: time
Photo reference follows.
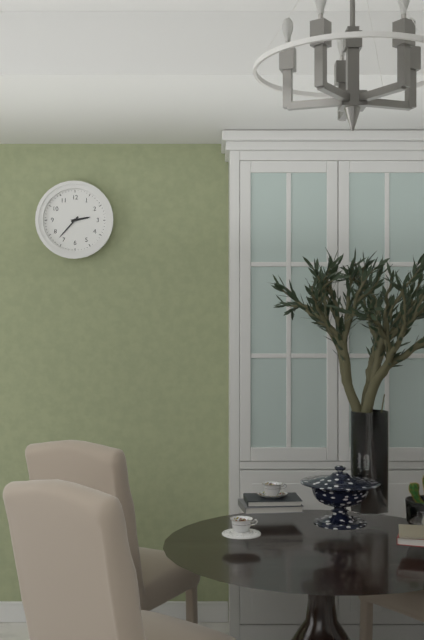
2:37
